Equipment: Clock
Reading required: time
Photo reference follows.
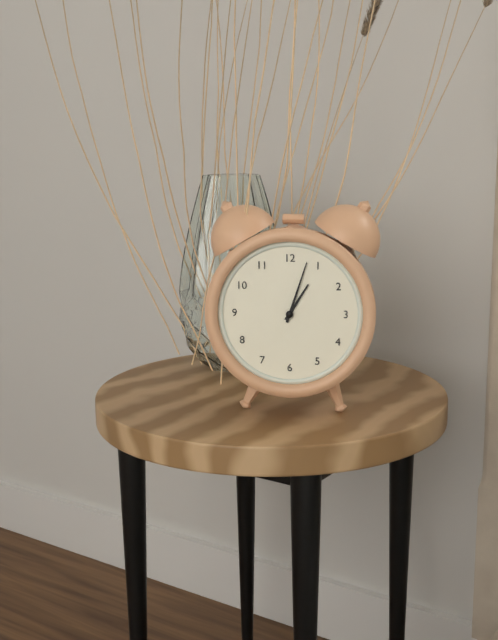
1:03
